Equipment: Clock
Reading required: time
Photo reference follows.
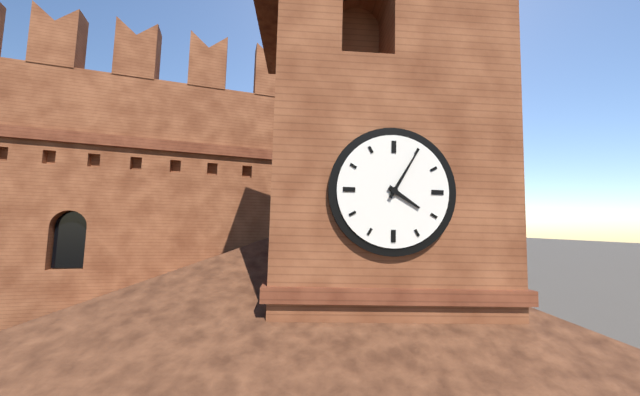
4:05
